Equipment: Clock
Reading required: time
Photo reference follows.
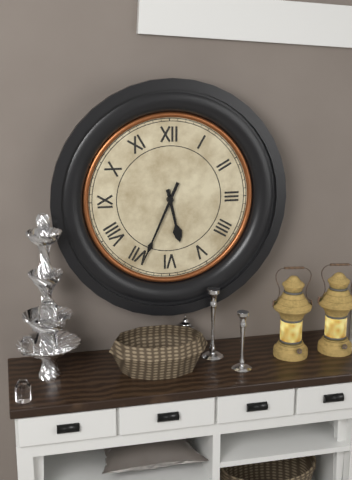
5:34
